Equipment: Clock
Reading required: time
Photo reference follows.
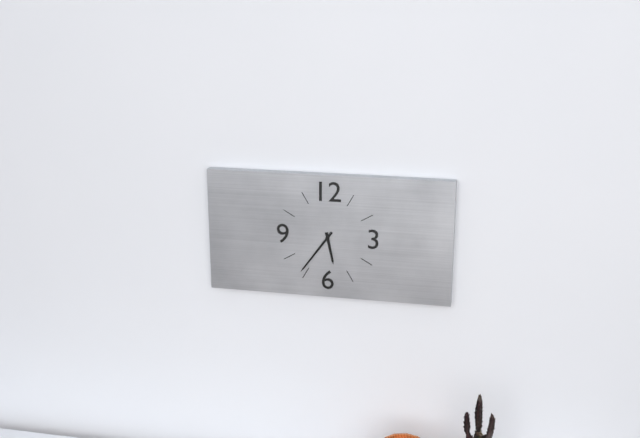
5:36
